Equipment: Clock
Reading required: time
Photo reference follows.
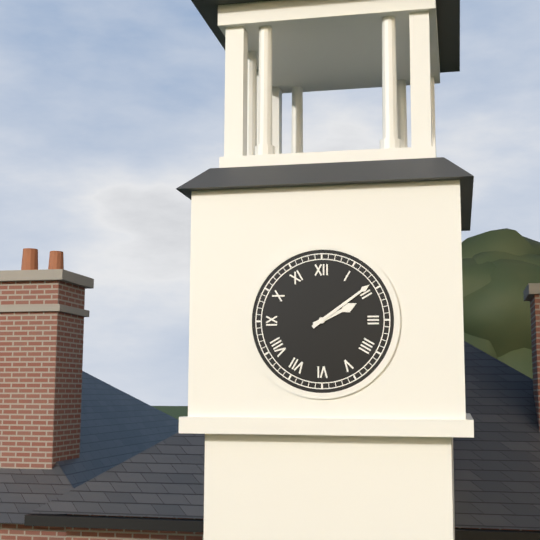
2:09
